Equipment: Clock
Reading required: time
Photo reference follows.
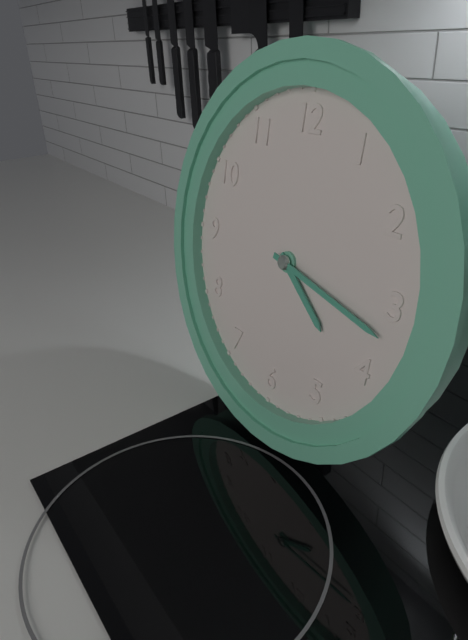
4:17
